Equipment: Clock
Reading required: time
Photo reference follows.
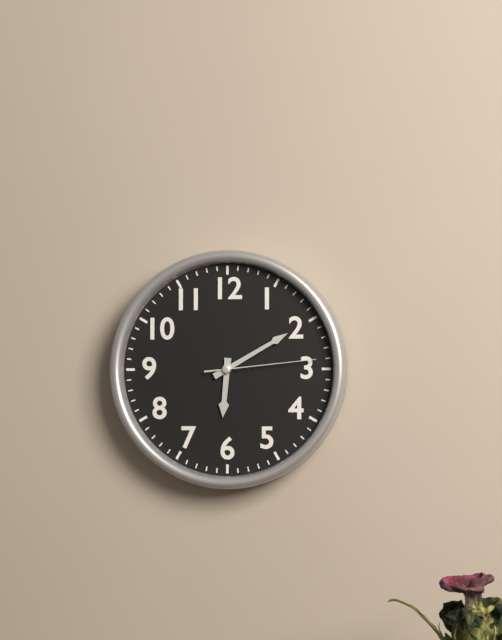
6:10:14
